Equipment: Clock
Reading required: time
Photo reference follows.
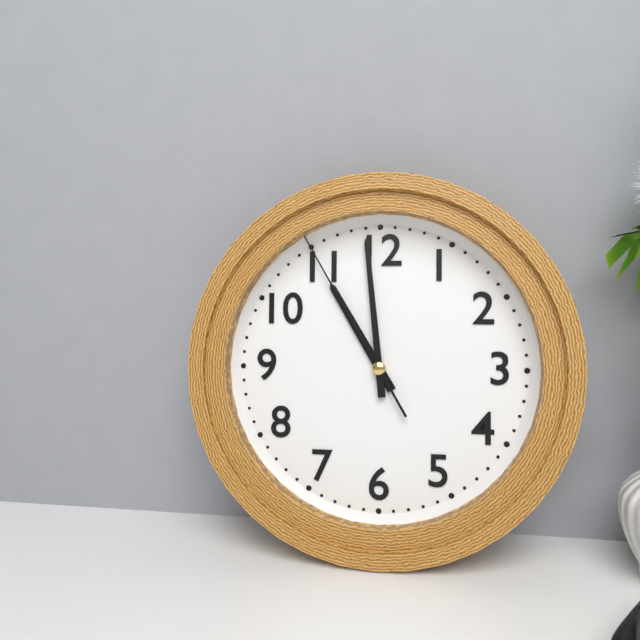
10:59:55
